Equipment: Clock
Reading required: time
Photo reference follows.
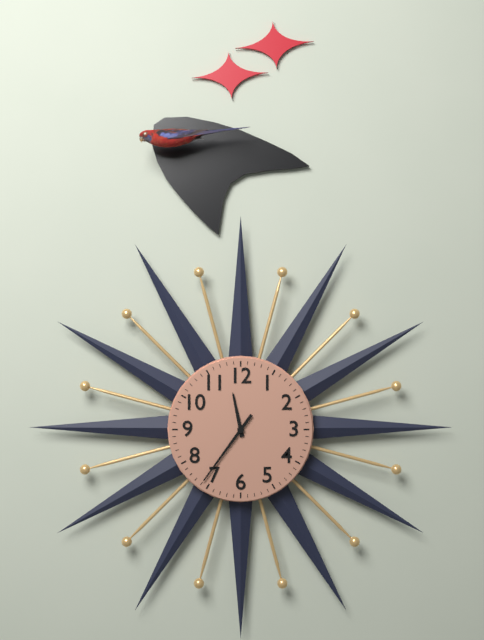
11:36
